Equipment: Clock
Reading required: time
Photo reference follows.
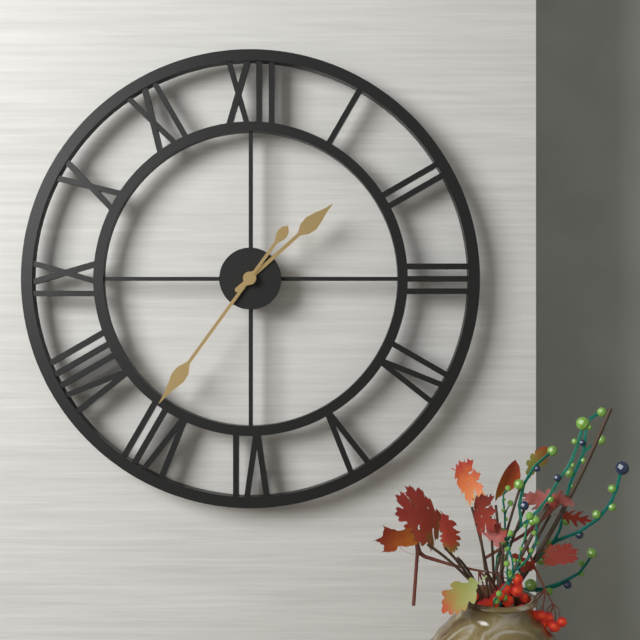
1:36
